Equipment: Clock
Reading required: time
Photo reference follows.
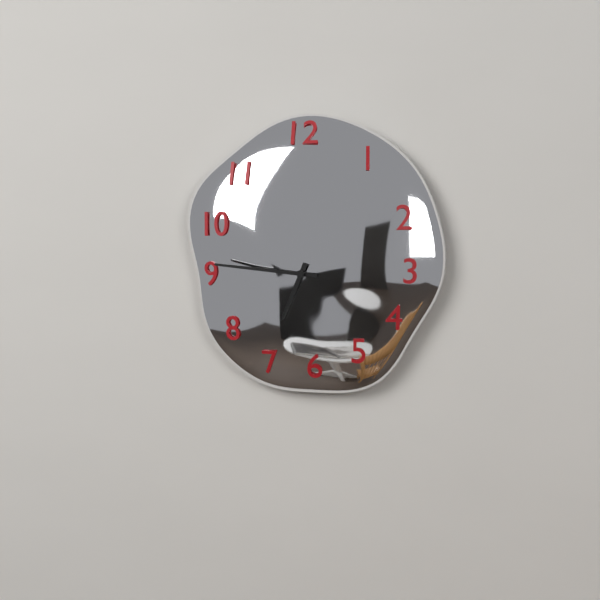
6:46
